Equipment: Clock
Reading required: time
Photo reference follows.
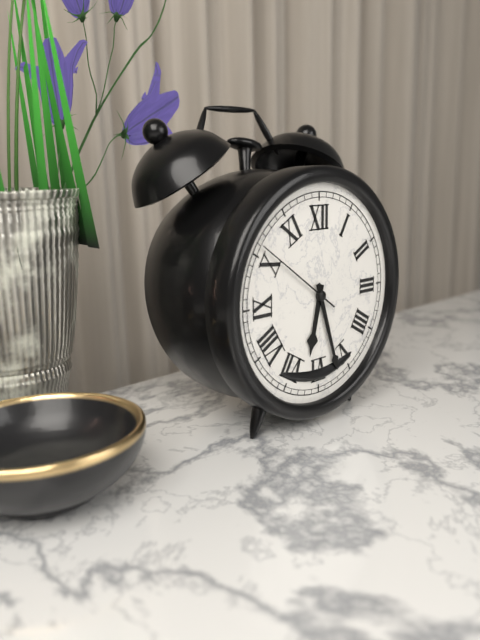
6:27:51
